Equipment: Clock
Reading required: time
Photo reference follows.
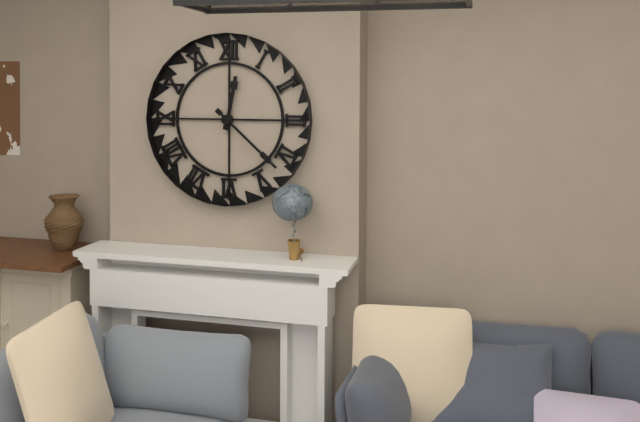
12:22
